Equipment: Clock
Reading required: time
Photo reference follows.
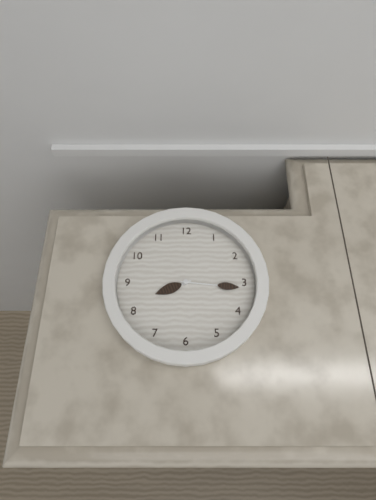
8:16
